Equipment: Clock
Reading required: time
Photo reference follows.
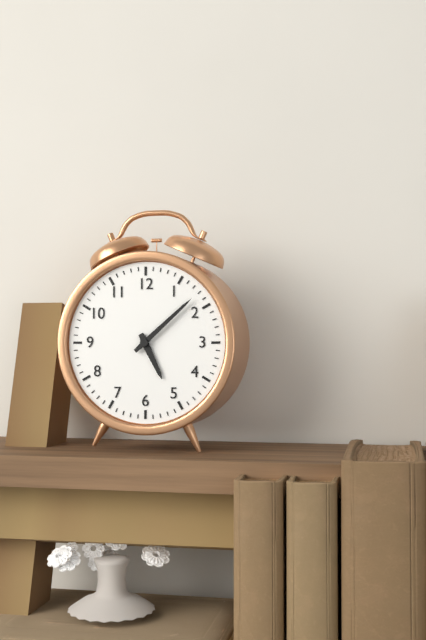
5:08
